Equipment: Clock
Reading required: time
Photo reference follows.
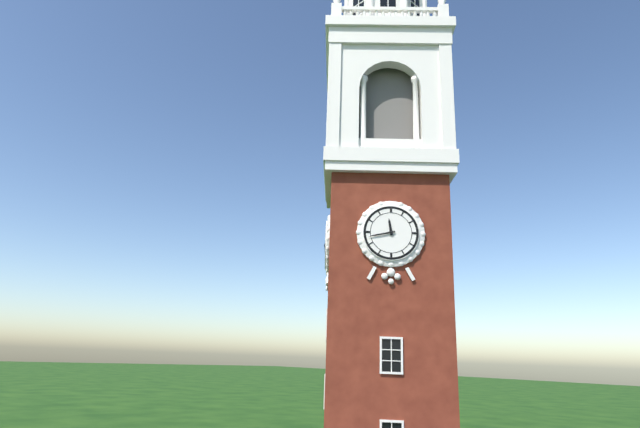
11:43
